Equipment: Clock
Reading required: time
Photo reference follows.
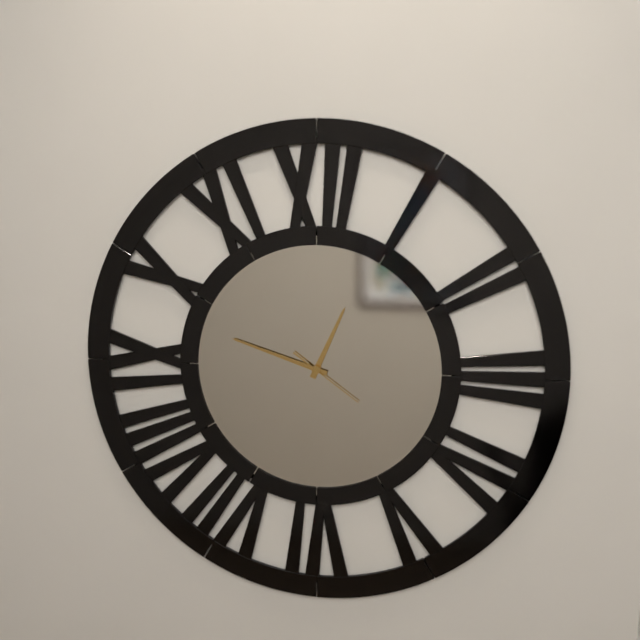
12:48:21
